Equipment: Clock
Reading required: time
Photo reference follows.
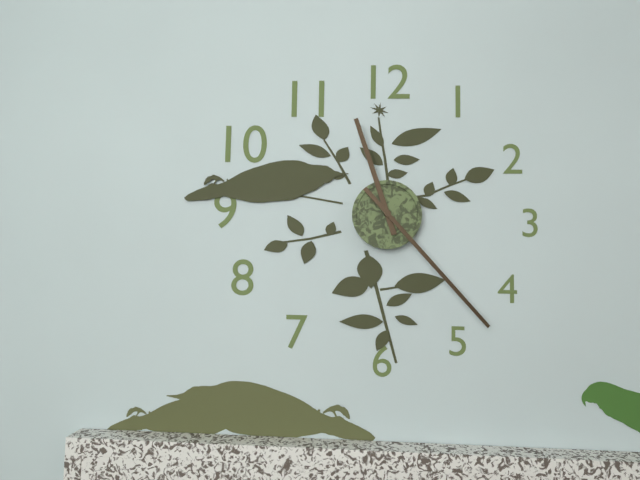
11:23
